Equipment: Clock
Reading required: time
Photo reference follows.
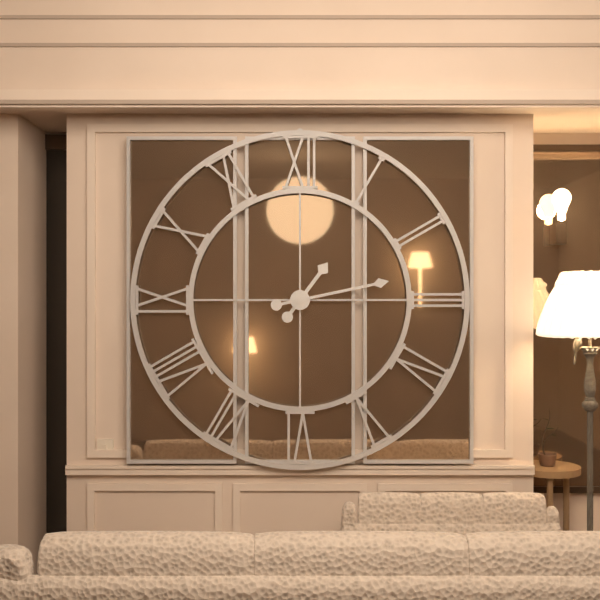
1:13
